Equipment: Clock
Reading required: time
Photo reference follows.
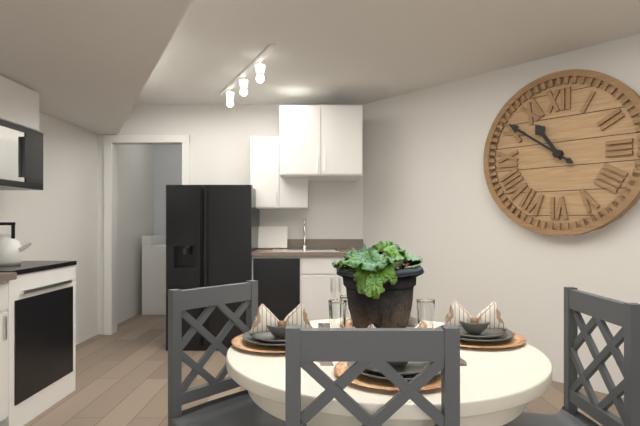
10:51
